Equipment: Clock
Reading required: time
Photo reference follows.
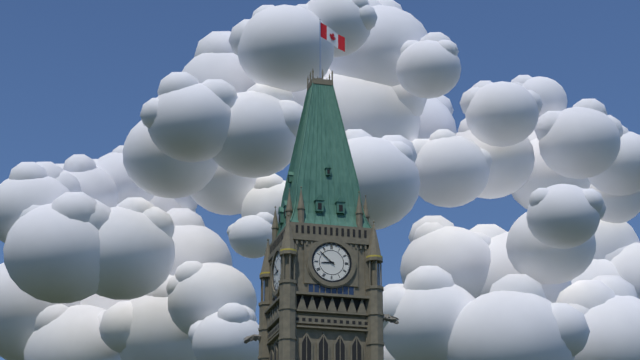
8:52
